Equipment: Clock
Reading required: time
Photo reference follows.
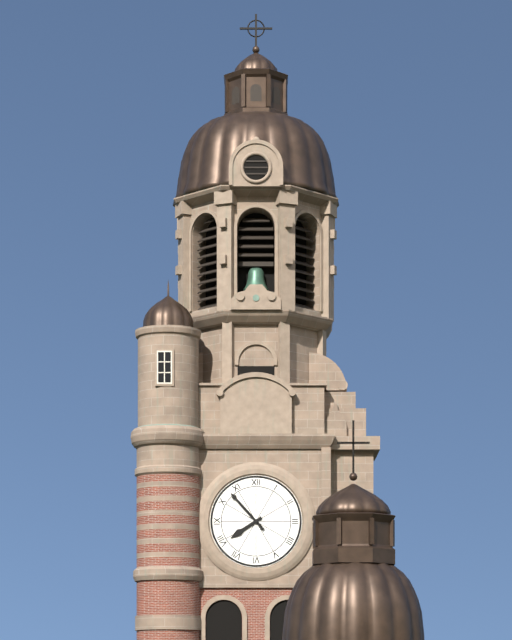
7:53
